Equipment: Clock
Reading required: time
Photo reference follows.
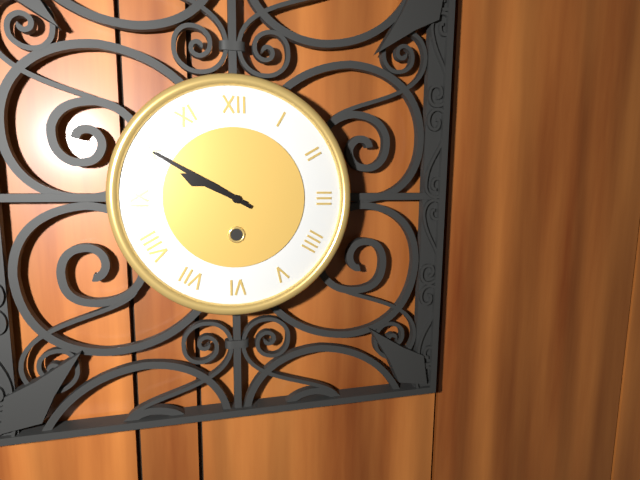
9:50
